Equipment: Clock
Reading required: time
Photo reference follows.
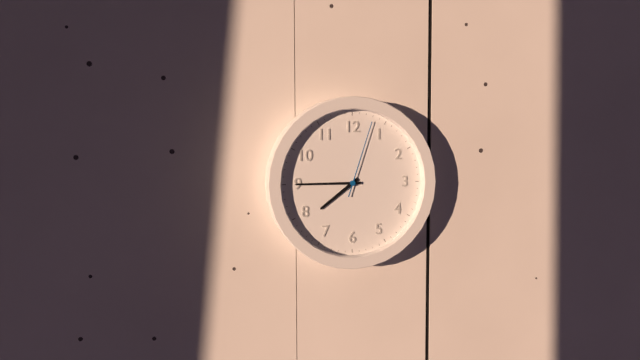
7:45:03
